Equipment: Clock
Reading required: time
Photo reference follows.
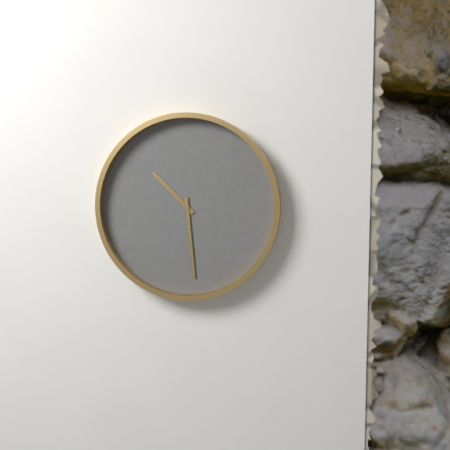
10:29
